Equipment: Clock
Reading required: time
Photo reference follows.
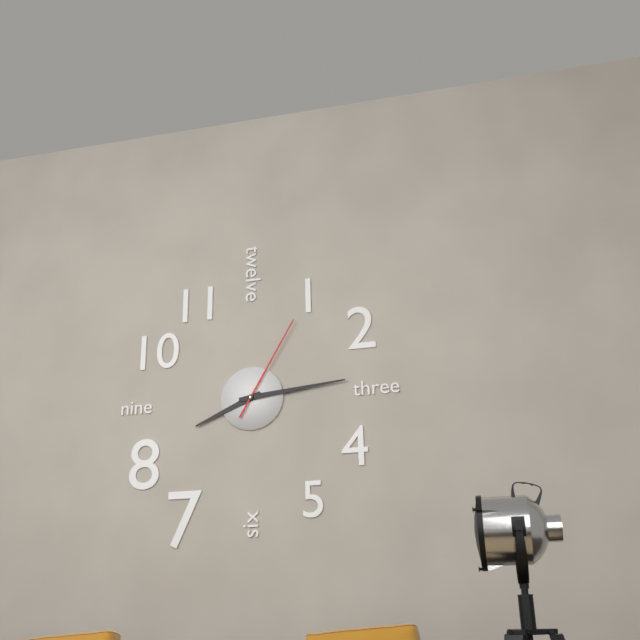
8:14:05
